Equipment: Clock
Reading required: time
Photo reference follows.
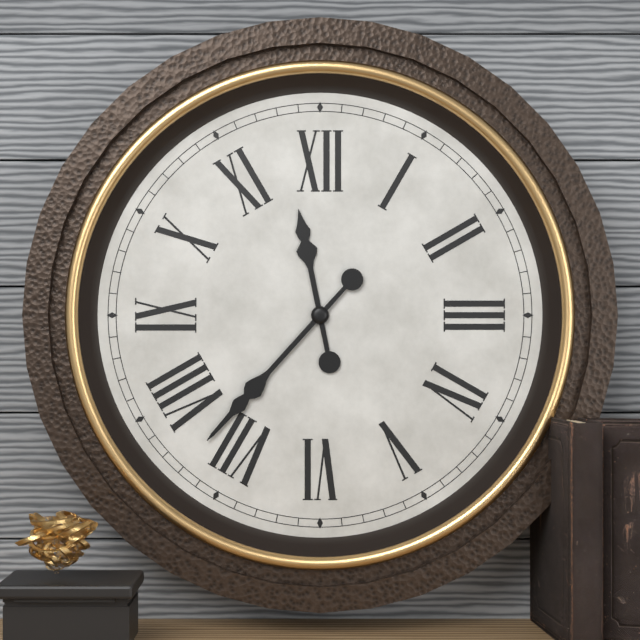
11:37
